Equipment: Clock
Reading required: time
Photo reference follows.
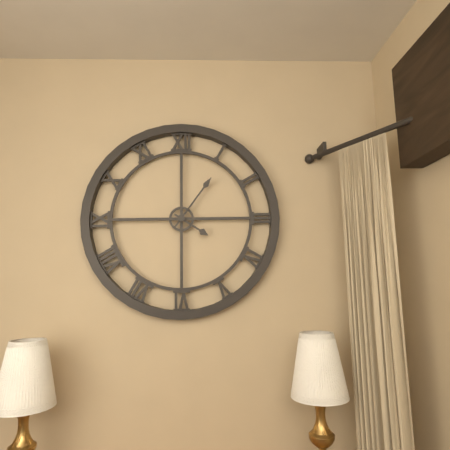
4:06
